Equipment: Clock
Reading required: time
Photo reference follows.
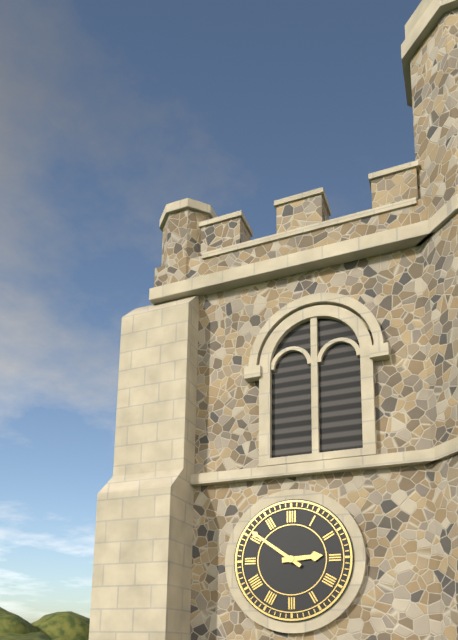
2:51
